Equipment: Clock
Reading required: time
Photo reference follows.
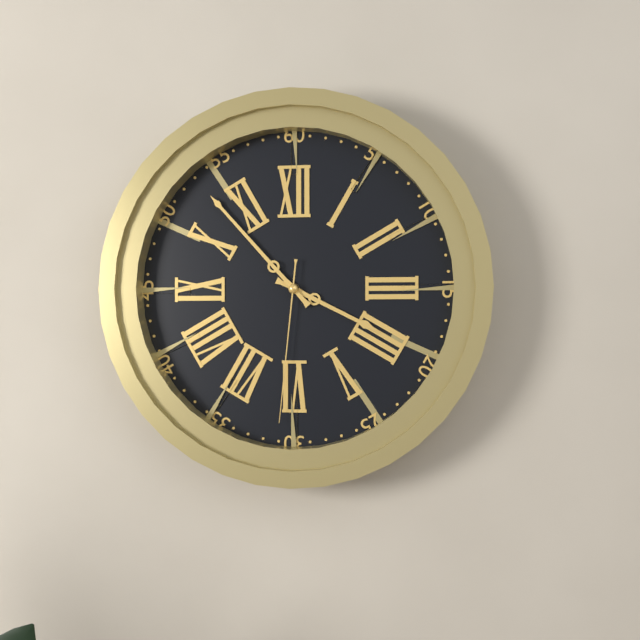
3:53:31
